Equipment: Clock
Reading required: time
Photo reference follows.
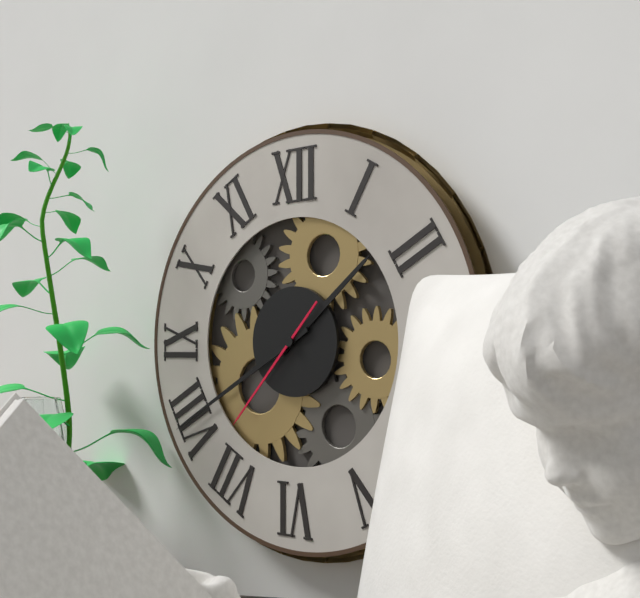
1:40:37
